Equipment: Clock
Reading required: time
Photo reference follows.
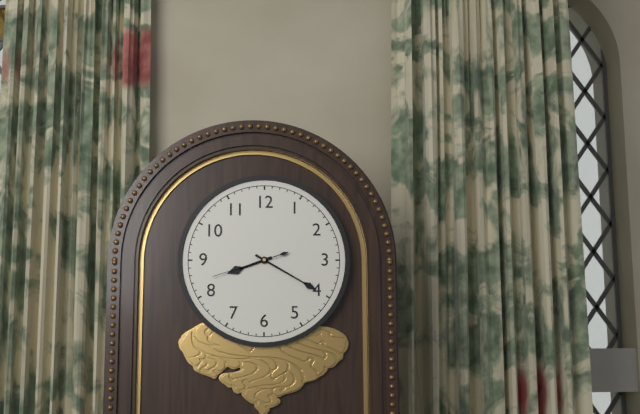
8:20:42
